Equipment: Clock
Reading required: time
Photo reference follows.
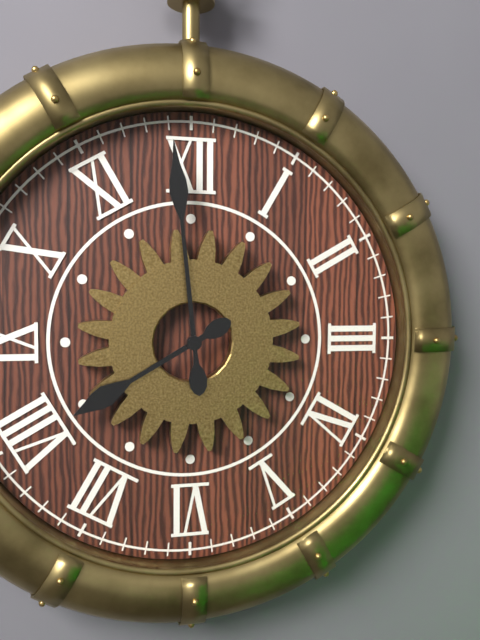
7:59
